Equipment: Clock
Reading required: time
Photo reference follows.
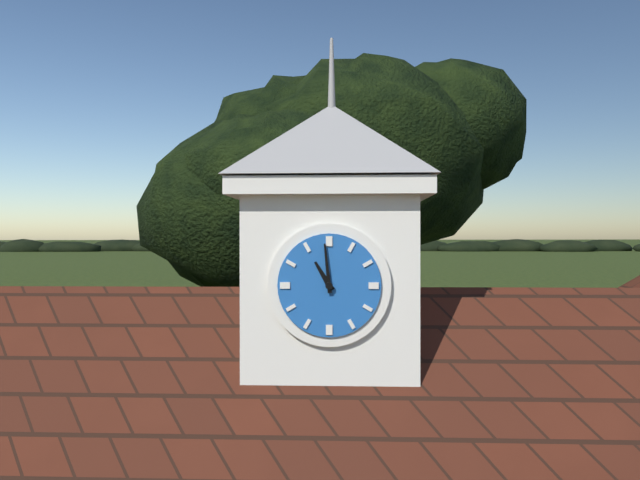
10:59
